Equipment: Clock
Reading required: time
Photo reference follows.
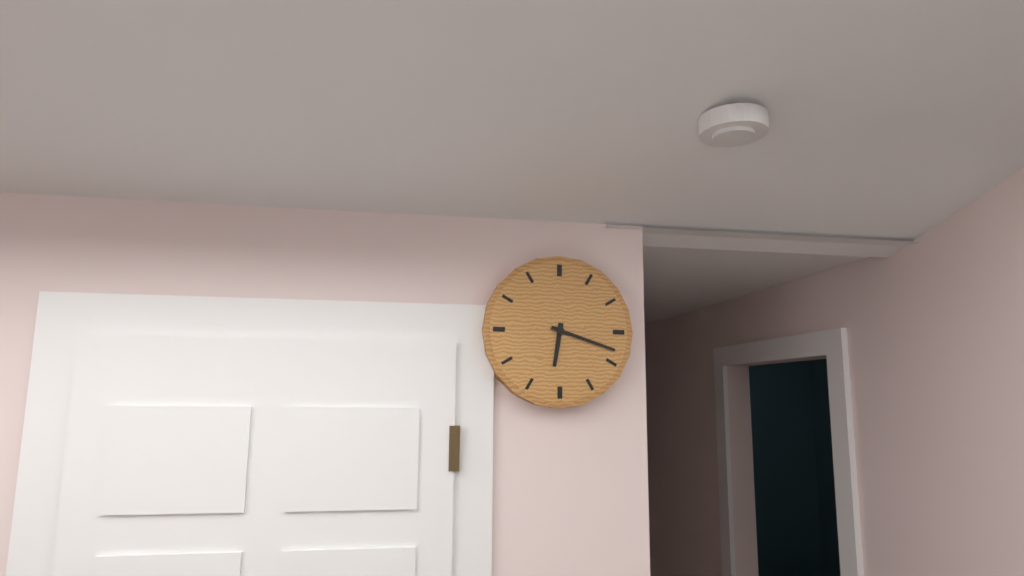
6:18
